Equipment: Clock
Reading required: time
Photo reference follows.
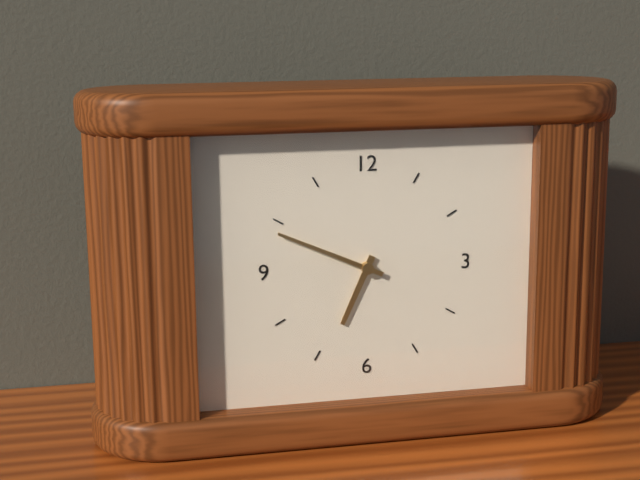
6:49
